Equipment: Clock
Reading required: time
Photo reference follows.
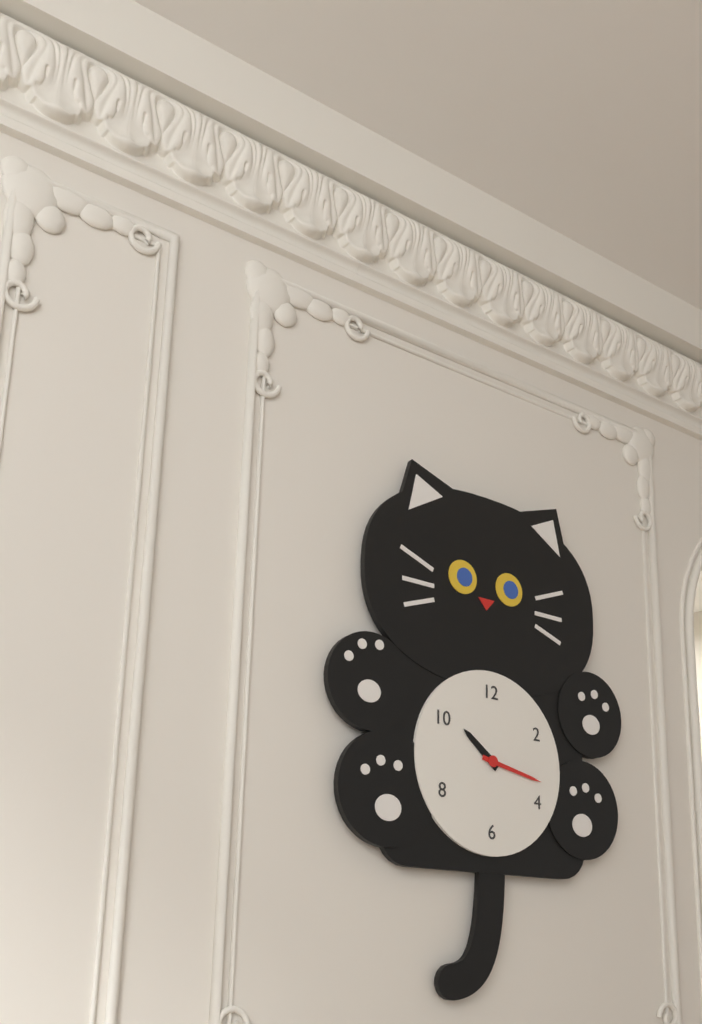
10:17
